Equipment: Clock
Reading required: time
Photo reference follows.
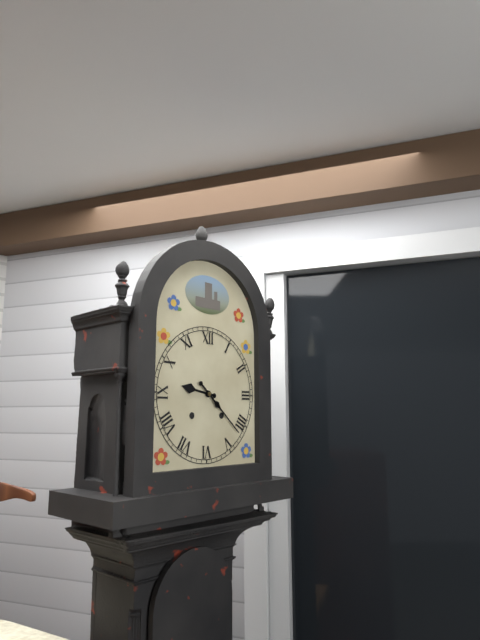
9:22
